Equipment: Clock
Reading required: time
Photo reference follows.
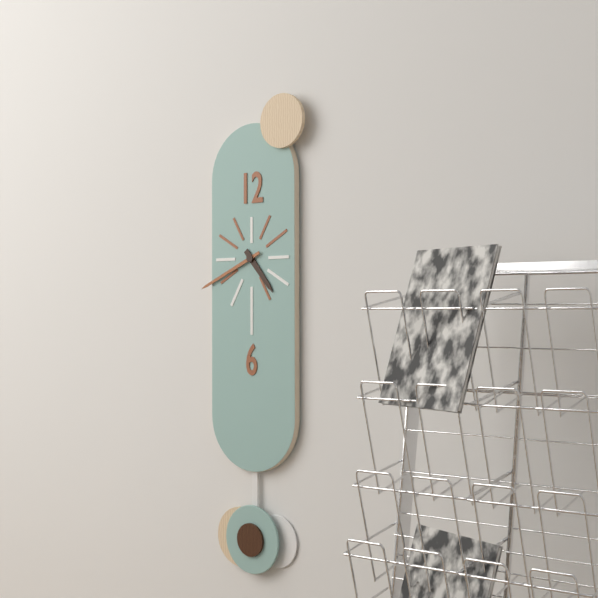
4:41
